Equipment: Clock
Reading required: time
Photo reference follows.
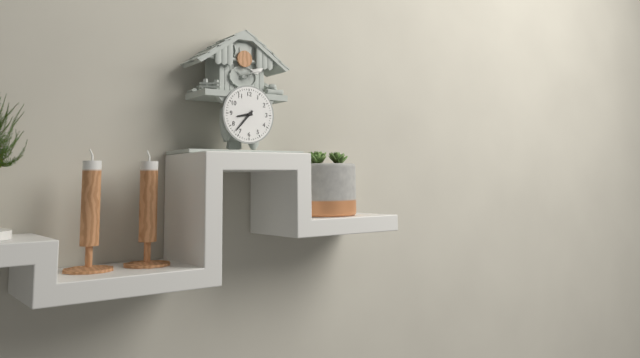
8:37
